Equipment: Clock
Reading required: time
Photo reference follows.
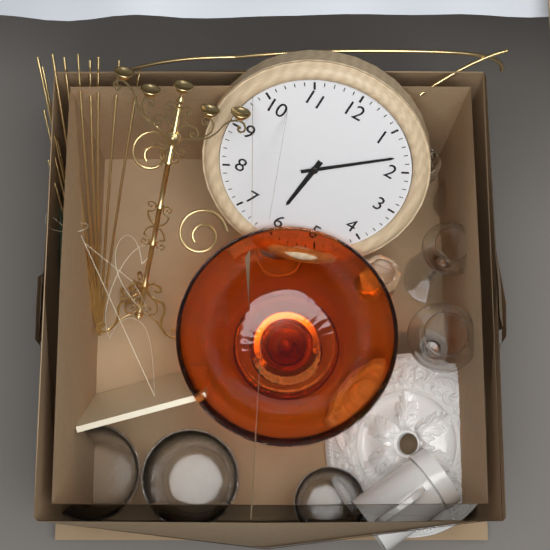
6:08
